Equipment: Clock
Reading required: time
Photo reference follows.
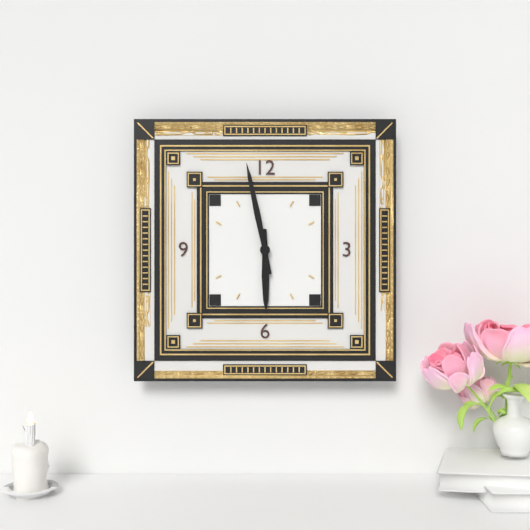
5:58
